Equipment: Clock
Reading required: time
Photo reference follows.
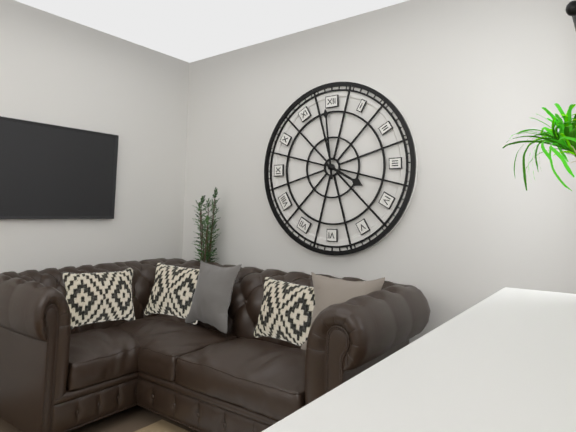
3:59
